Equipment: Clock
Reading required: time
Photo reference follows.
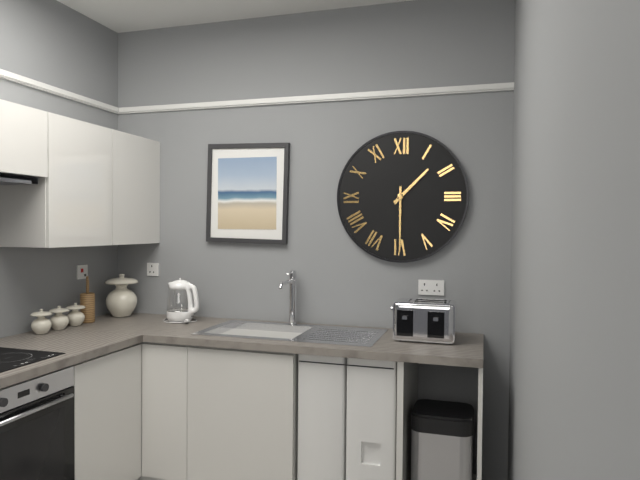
1:30
